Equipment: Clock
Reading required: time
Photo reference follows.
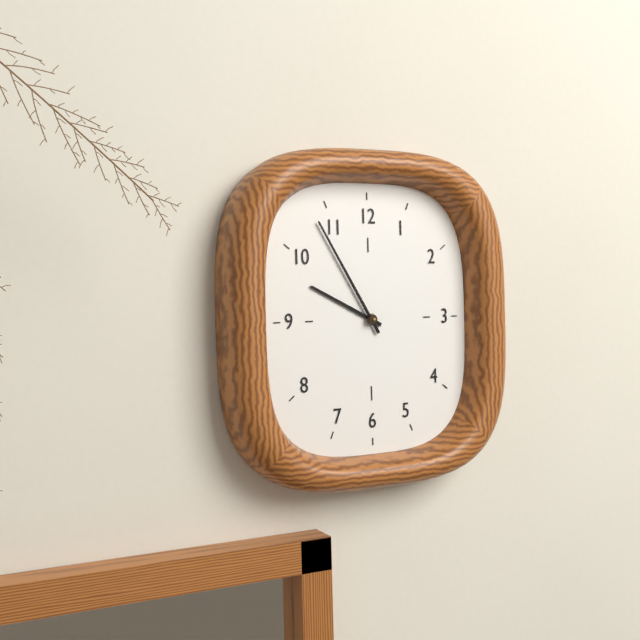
9:55
